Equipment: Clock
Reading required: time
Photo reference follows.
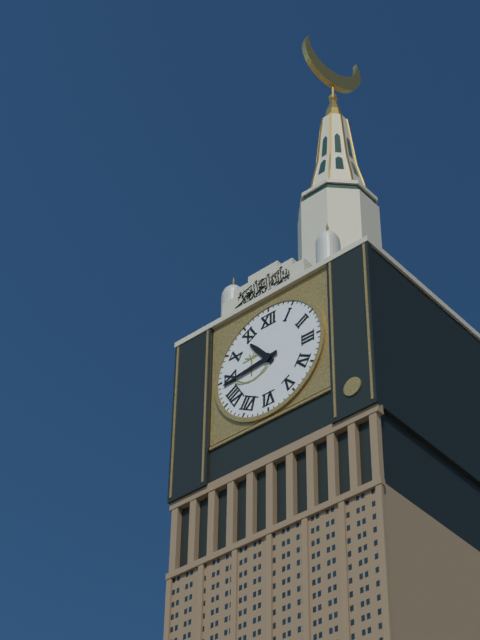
10:44
